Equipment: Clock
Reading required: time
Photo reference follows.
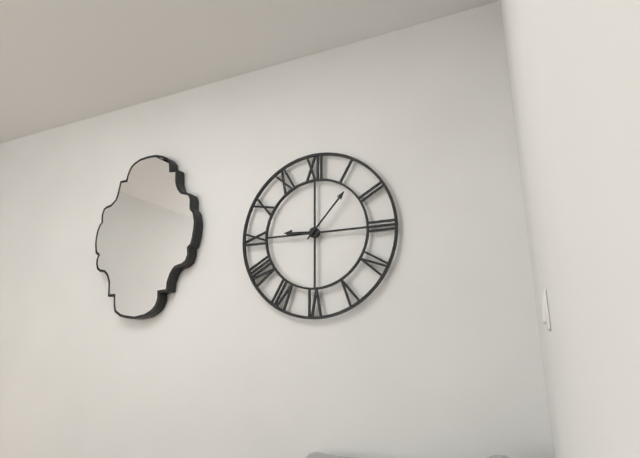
9:07
